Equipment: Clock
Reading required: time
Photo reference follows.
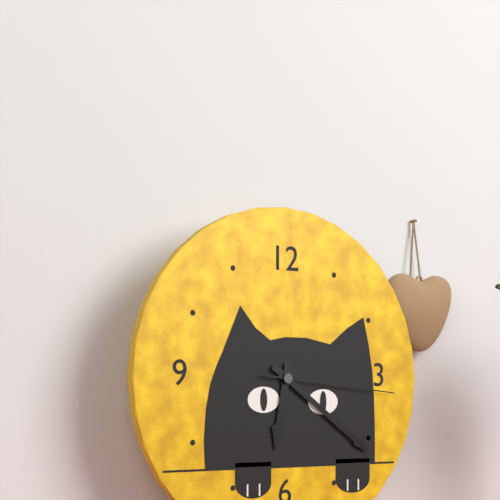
6:21:16
